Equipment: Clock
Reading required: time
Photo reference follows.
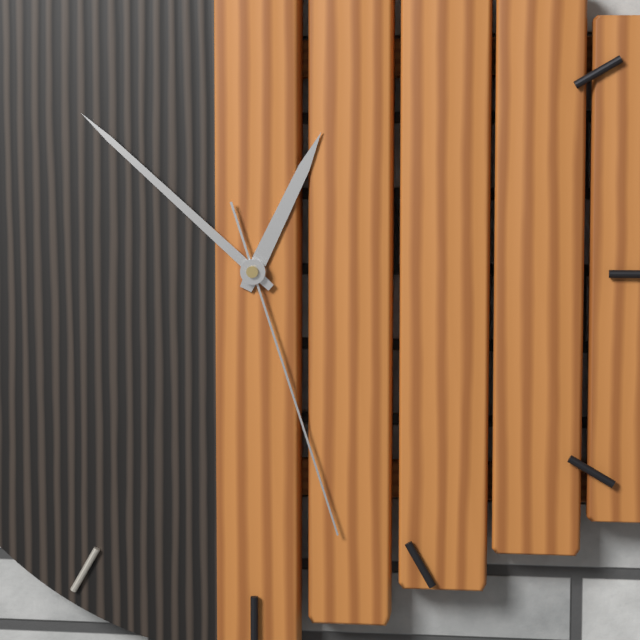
12:52:27
